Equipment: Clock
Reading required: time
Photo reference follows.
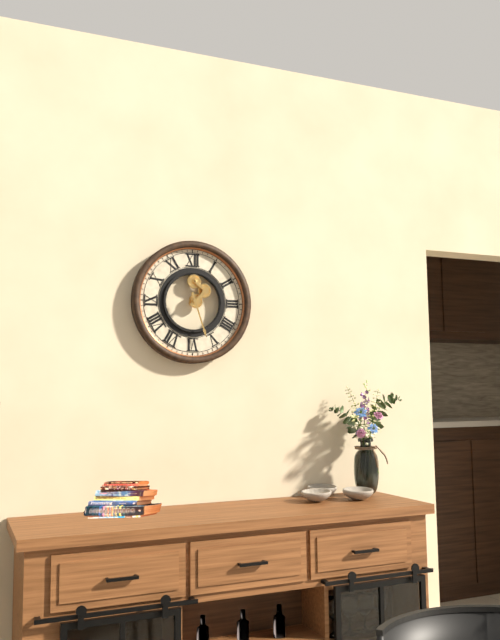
1:27
